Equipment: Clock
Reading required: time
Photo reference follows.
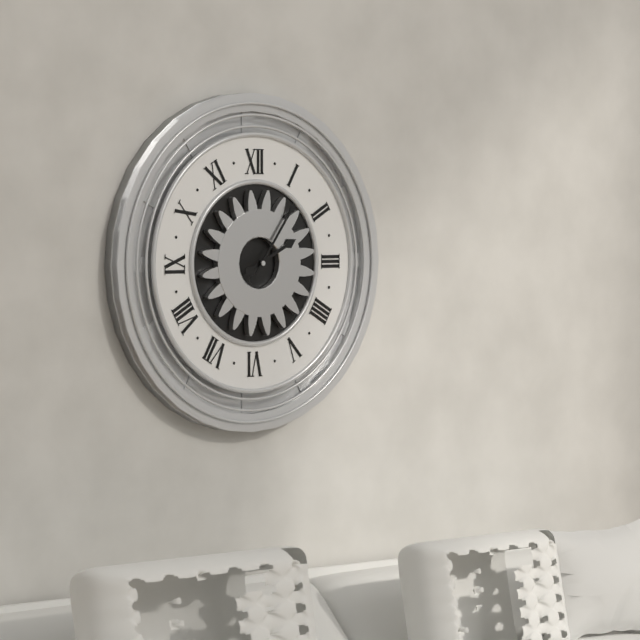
2:06
